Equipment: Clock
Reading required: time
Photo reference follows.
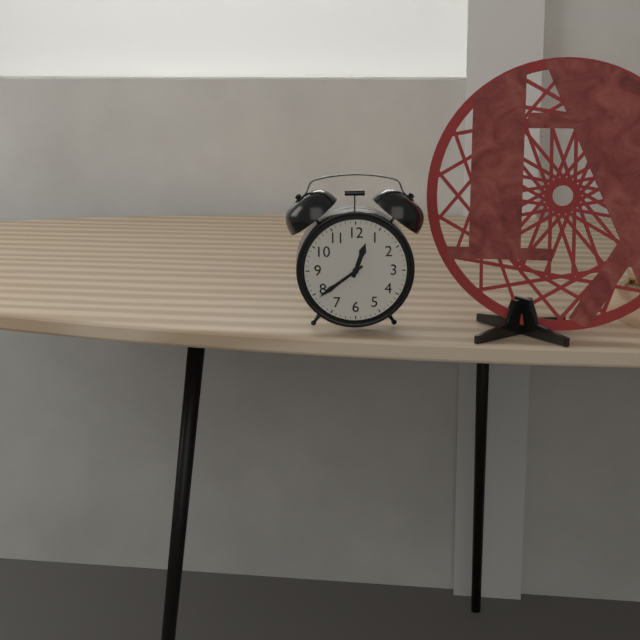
12:39
